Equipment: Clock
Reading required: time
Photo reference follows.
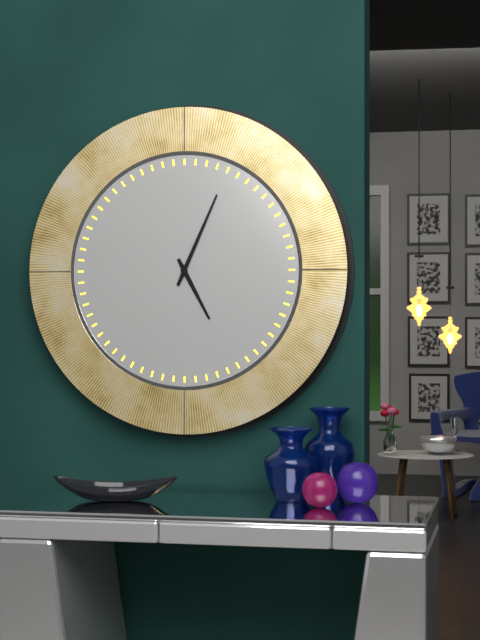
5:04
